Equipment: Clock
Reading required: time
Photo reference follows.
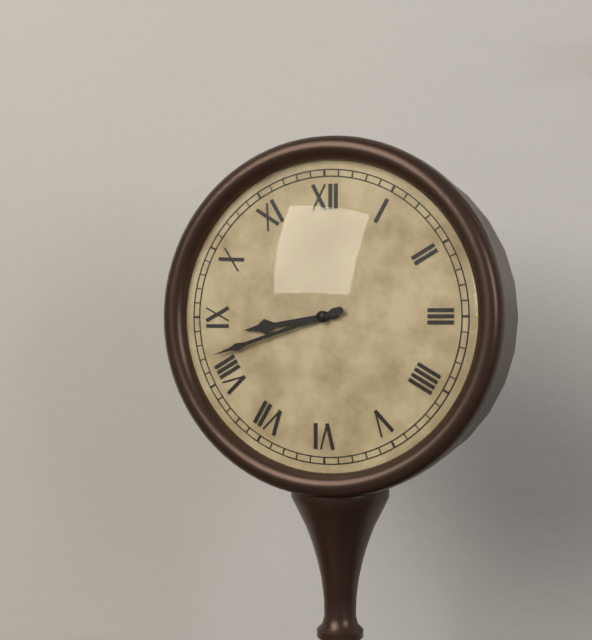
8:42
